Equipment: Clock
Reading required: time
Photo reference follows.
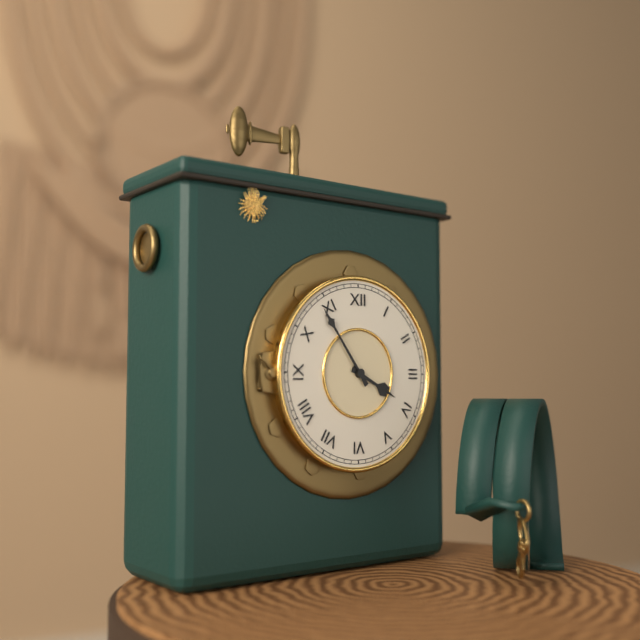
3:54
